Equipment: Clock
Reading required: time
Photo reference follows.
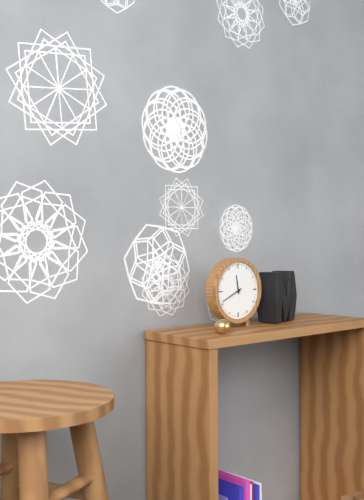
11:41
